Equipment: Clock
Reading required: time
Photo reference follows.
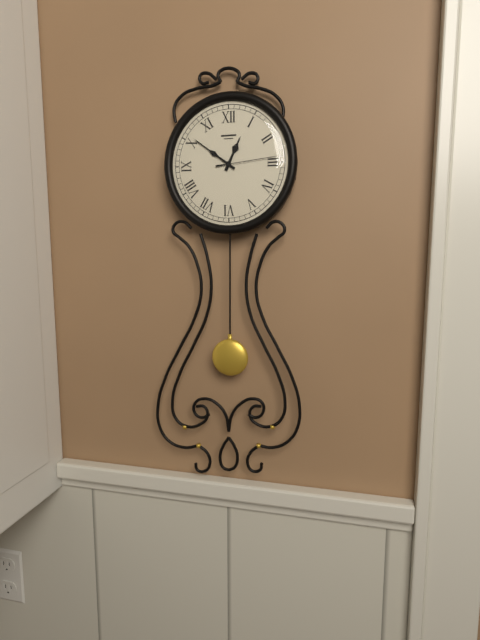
12:51:14
